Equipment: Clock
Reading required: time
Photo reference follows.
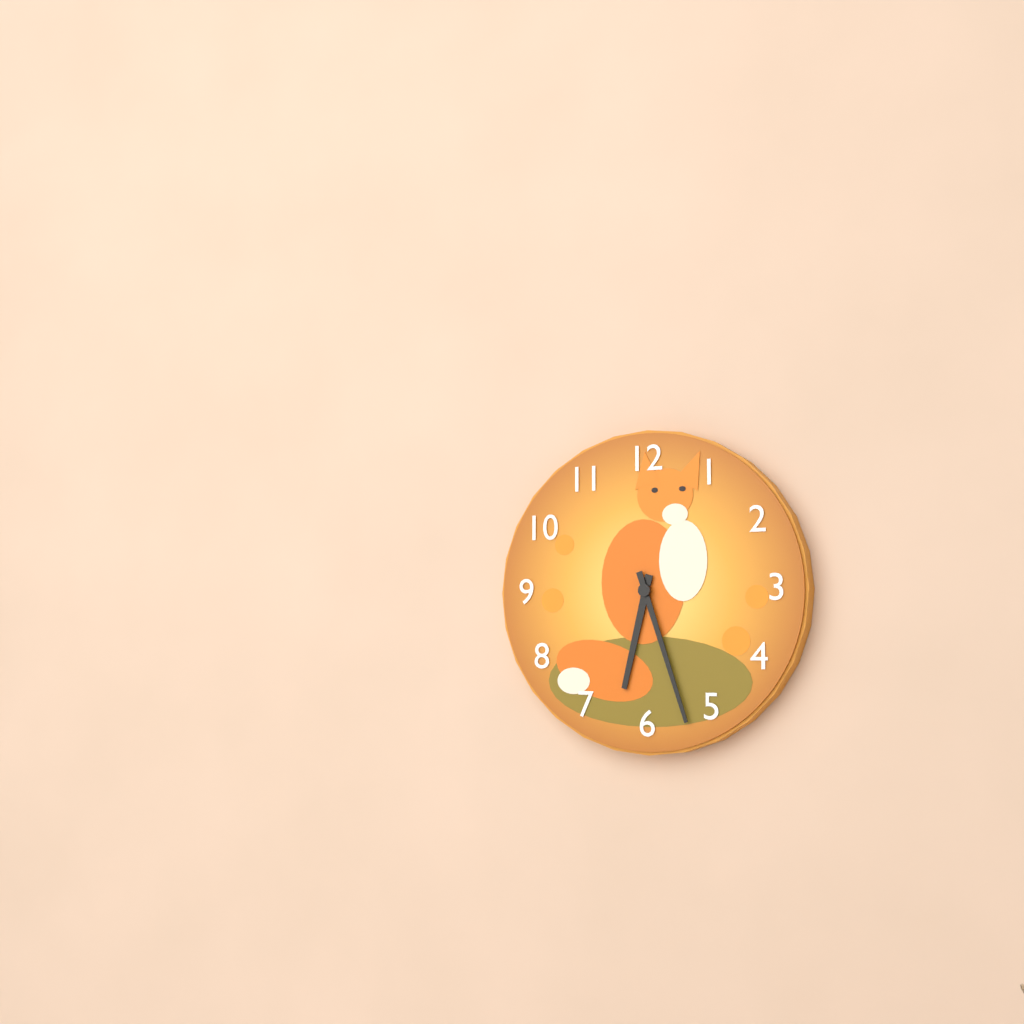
6:27
